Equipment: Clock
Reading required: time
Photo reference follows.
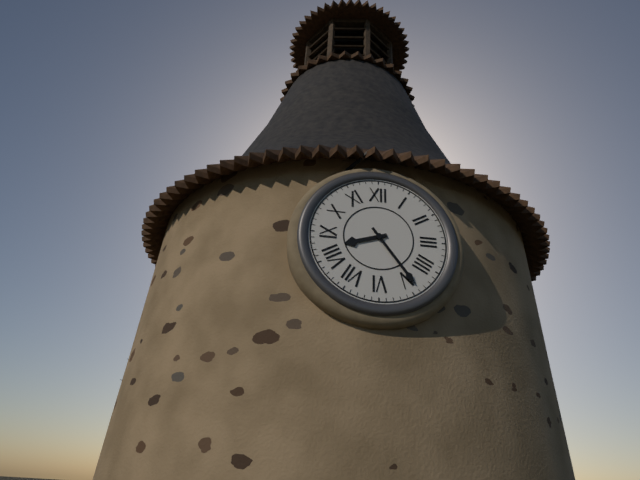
8:24
